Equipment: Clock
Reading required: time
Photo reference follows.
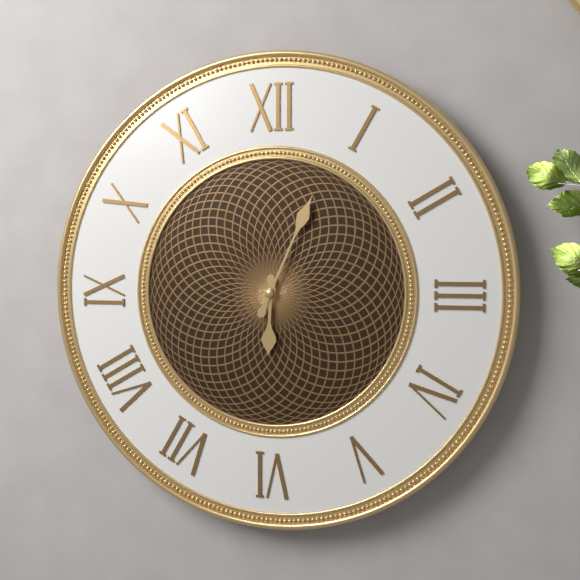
6:04
